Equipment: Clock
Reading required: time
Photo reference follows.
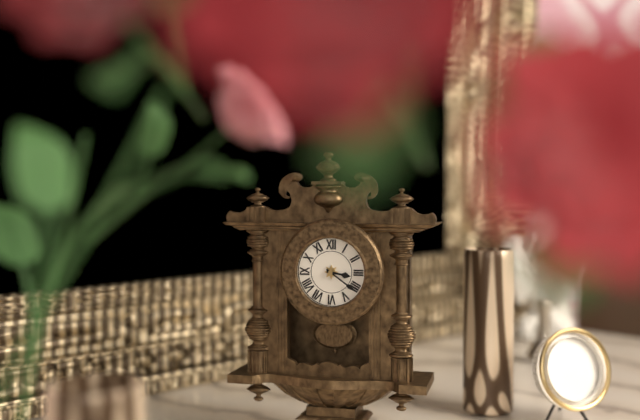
3:21
